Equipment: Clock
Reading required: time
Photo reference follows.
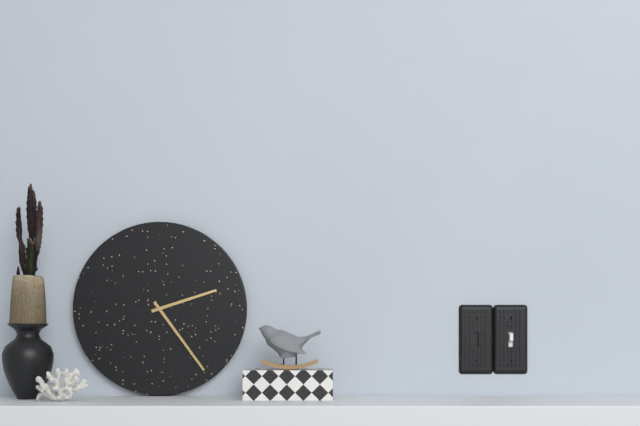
2:24
